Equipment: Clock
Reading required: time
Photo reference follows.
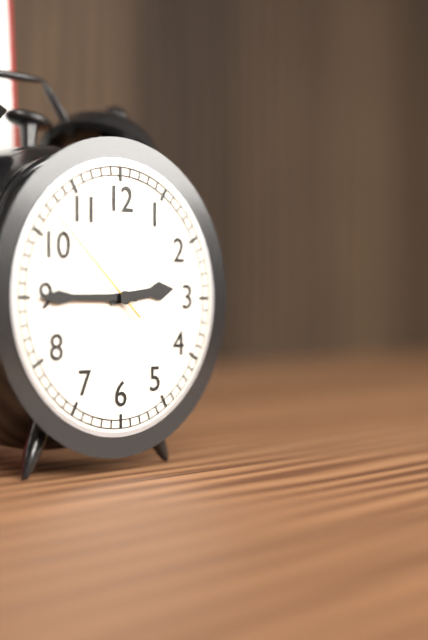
2:45:52
